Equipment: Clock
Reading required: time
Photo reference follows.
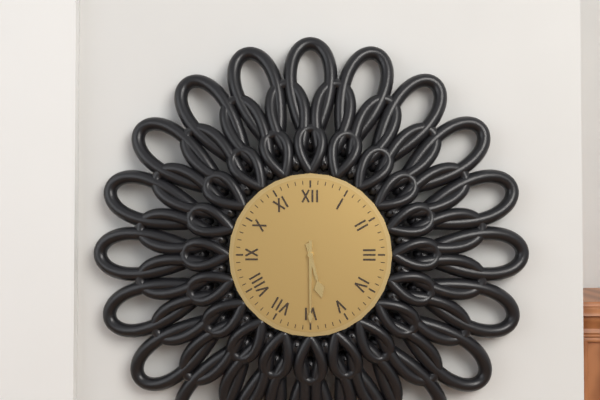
5:30
